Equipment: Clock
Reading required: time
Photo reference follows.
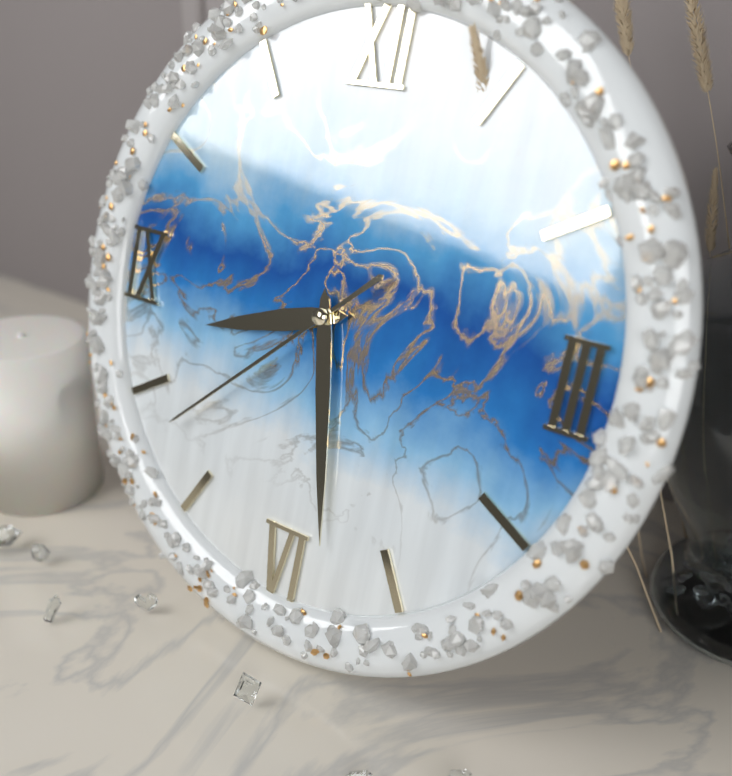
8:28:38
